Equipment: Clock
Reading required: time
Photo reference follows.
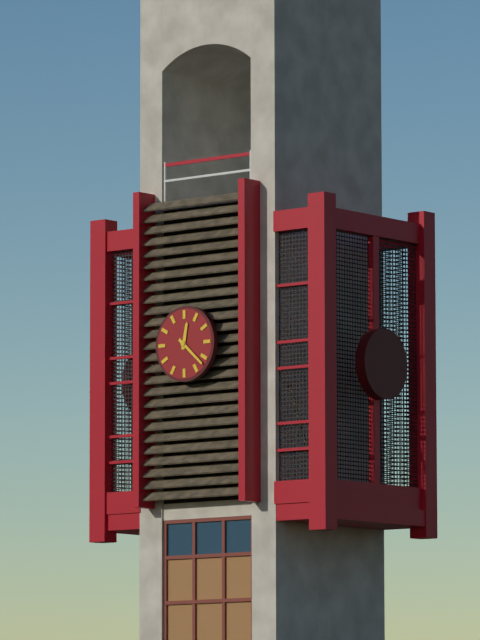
12:22
